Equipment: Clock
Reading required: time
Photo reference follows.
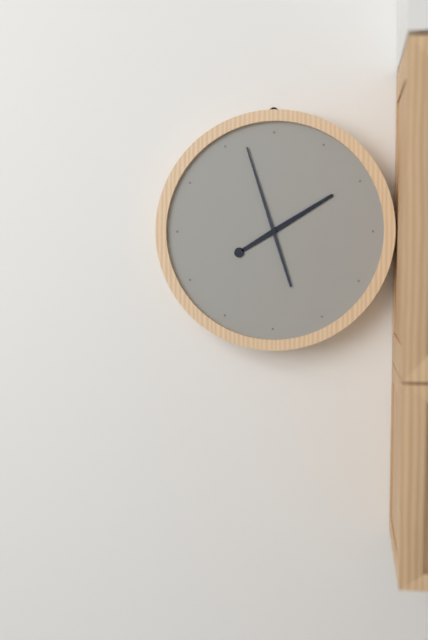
1:57
